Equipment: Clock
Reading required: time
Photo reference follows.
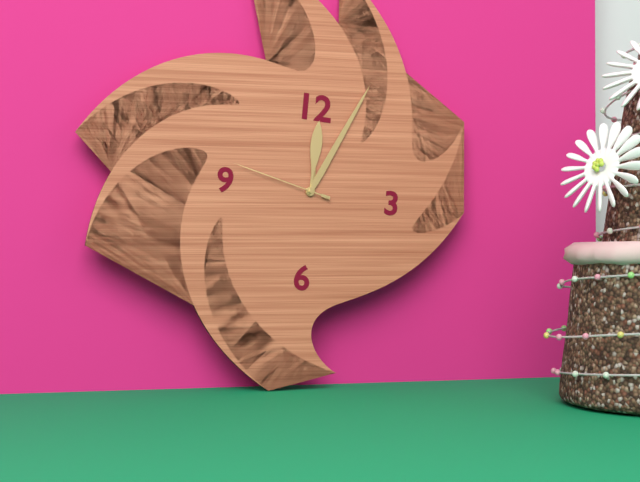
12:04:47
